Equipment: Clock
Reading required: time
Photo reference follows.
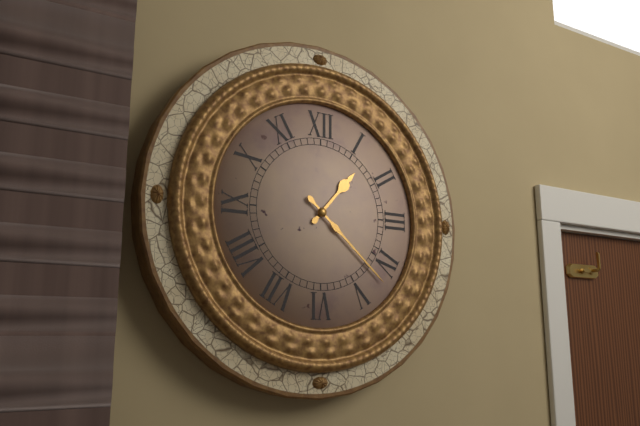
1:22
